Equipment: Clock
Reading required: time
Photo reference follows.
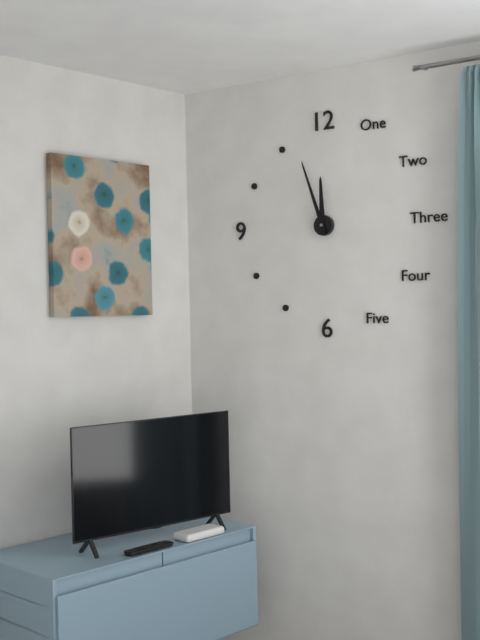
11:57
